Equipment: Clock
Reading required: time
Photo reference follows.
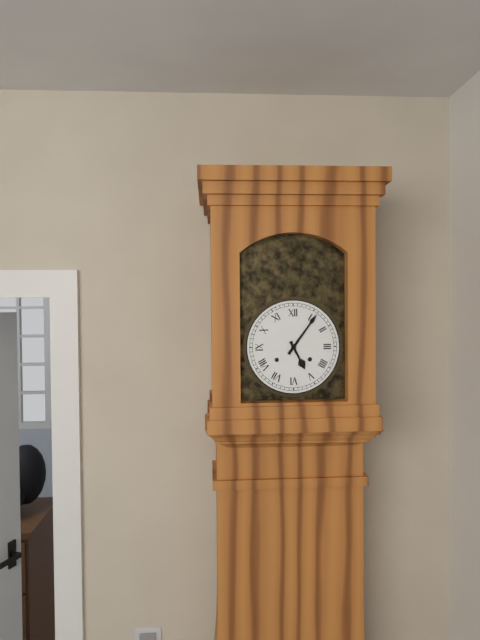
5:06
